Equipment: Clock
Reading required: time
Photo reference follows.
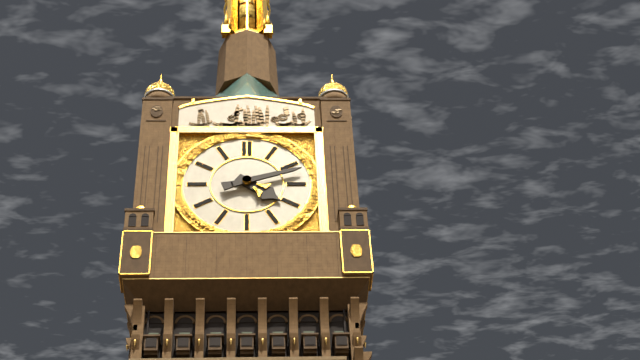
4:12
